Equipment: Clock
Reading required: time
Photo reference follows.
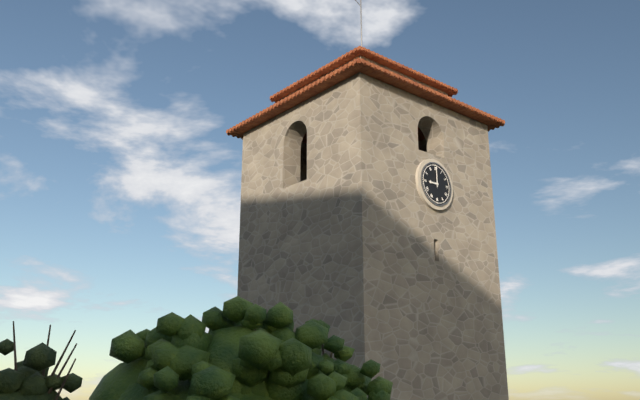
9:00
